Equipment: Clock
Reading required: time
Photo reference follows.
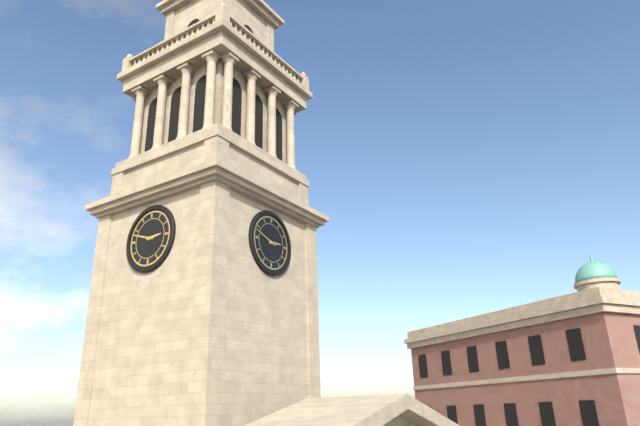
2:48
